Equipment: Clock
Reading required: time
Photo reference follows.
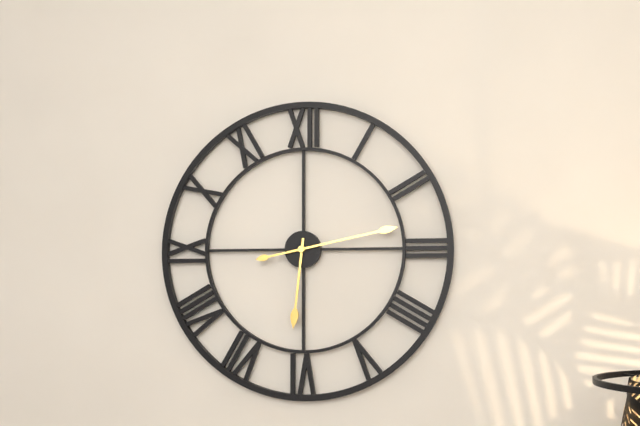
6:13
